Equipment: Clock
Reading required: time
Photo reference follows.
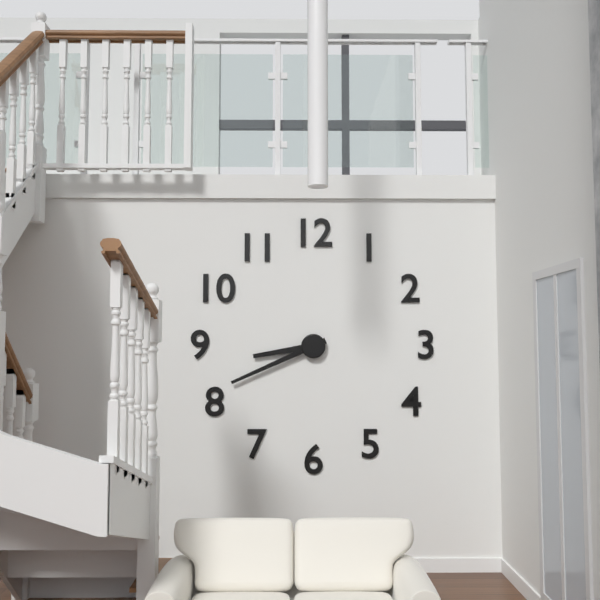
8:41
